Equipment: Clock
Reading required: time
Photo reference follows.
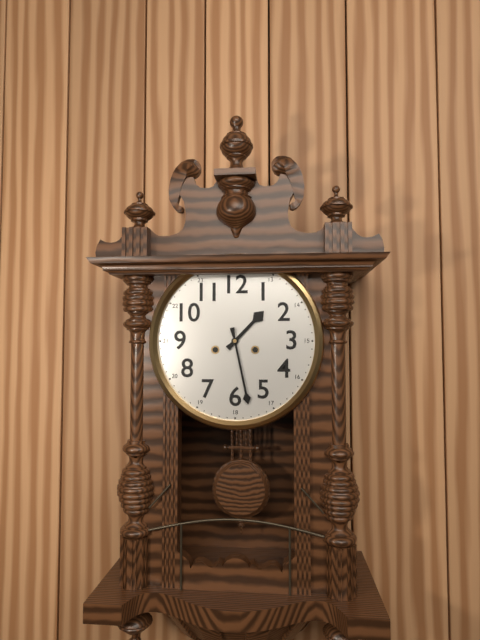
1:28
